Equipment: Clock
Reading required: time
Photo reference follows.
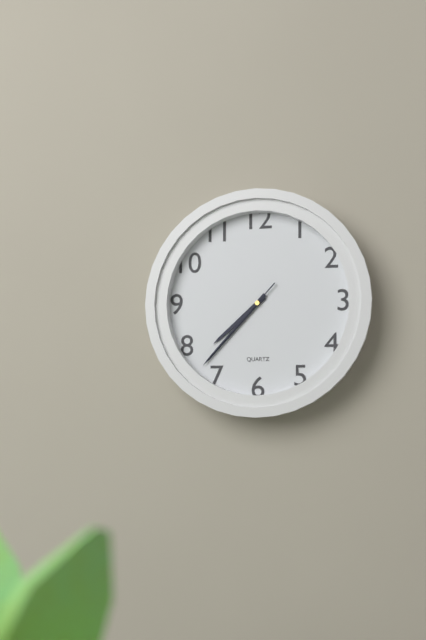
7:37:37
